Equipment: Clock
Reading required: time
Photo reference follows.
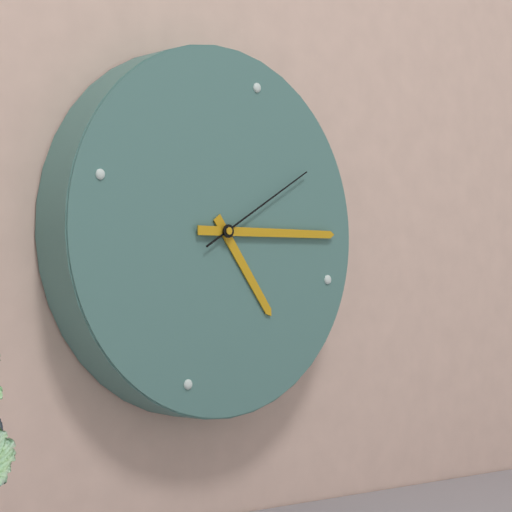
4:12:07
